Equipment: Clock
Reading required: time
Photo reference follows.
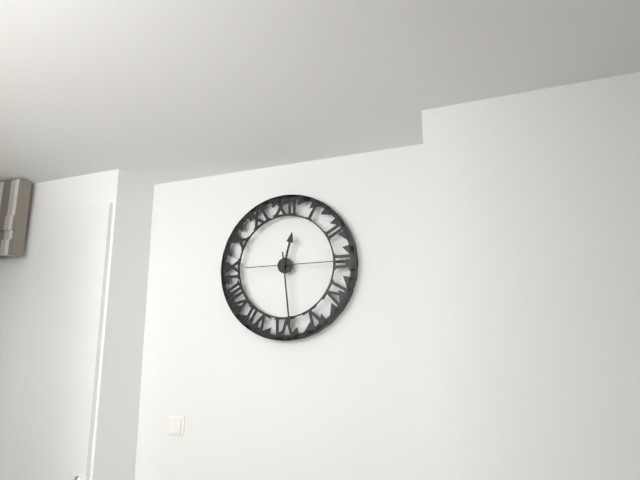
12:29:15
